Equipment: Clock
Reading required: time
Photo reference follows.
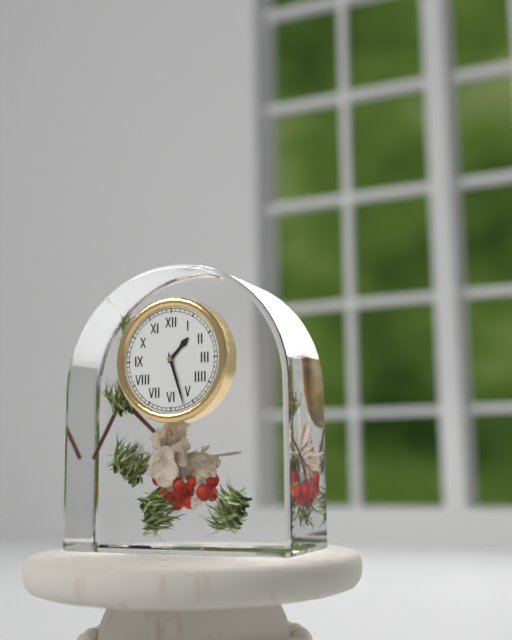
1:27
